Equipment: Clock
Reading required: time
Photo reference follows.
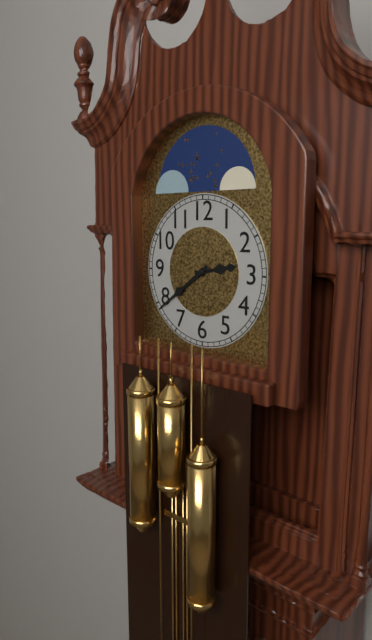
2:39
